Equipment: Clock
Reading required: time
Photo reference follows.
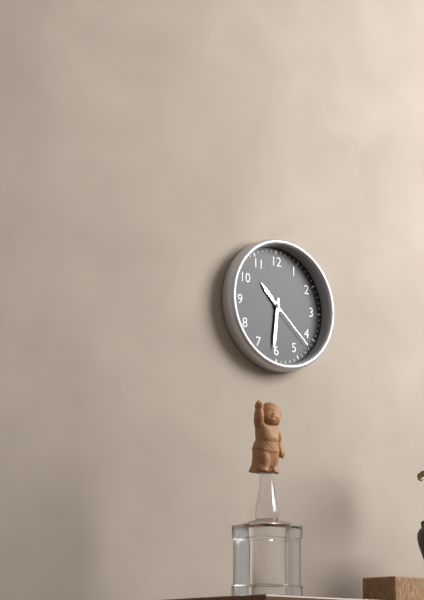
10:31:22
